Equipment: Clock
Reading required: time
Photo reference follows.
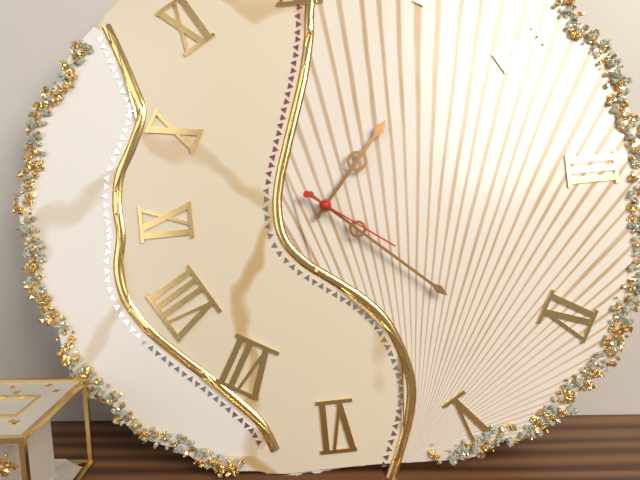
1:22:21
